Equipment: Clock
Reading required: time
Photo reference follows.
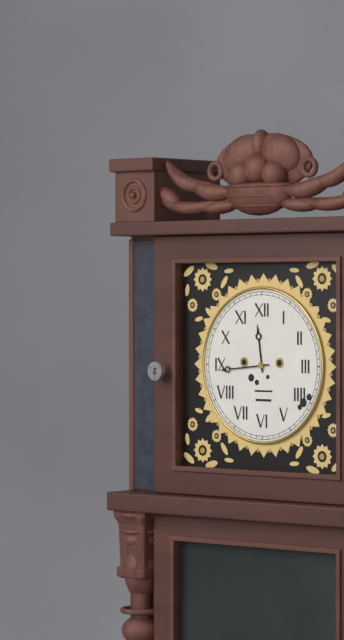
11:44
